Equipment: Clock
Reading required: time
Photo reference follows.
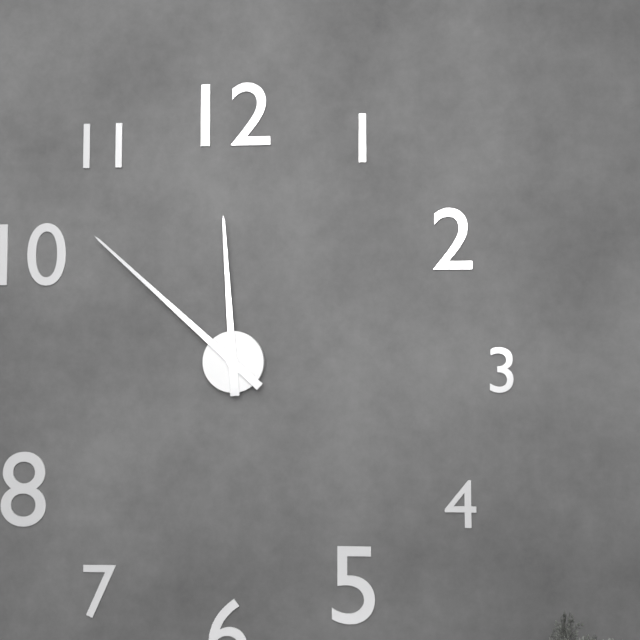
11:52
